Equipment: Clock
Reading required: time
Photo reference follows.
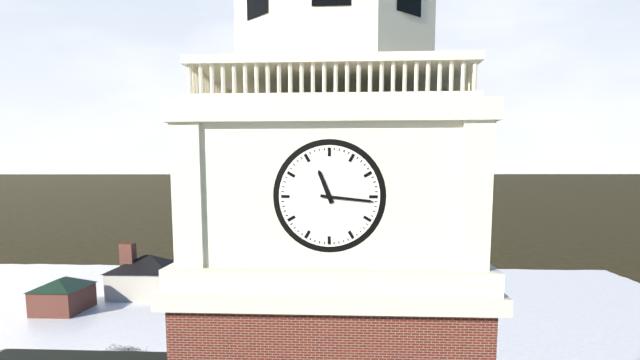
11:16
